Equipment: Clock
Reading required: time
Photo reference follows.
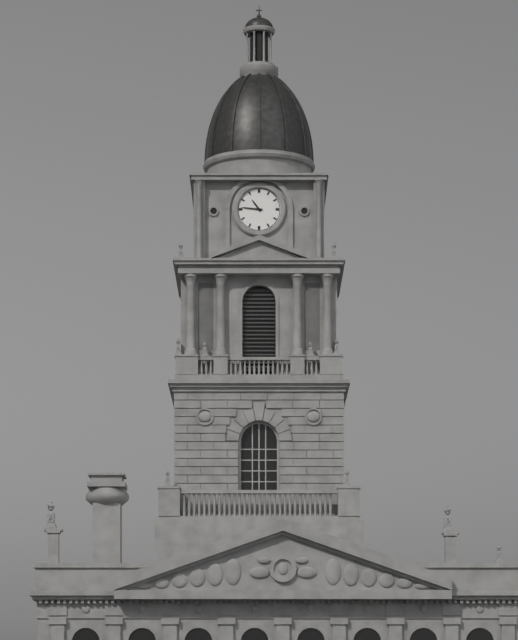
10:46
